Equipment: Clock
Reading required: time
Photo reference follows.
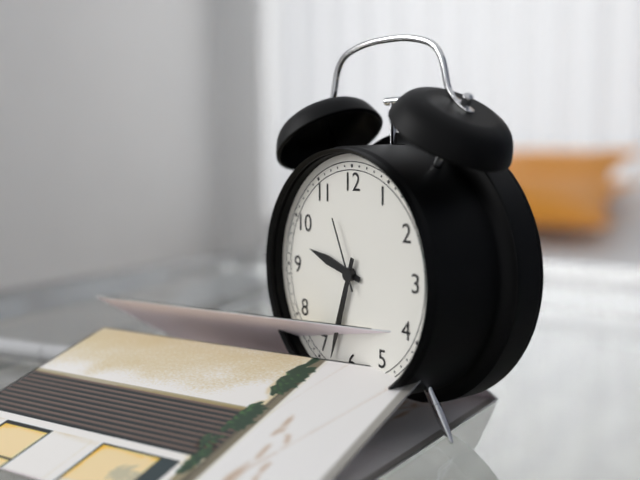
9:33:56
